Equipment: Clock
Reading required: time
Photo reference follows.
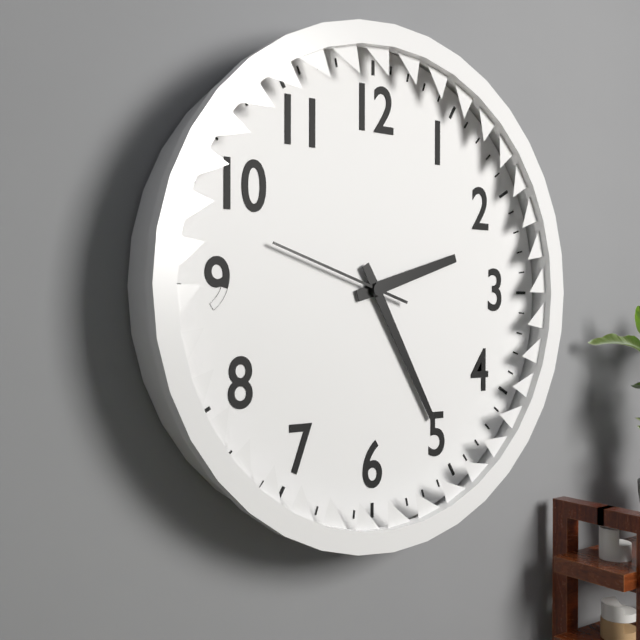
2:25:48
